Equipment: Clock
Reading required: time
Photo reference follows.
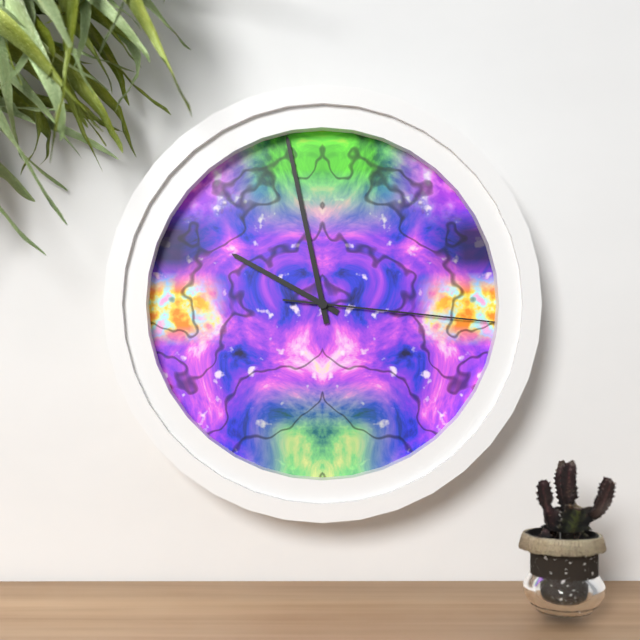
9:58:16
